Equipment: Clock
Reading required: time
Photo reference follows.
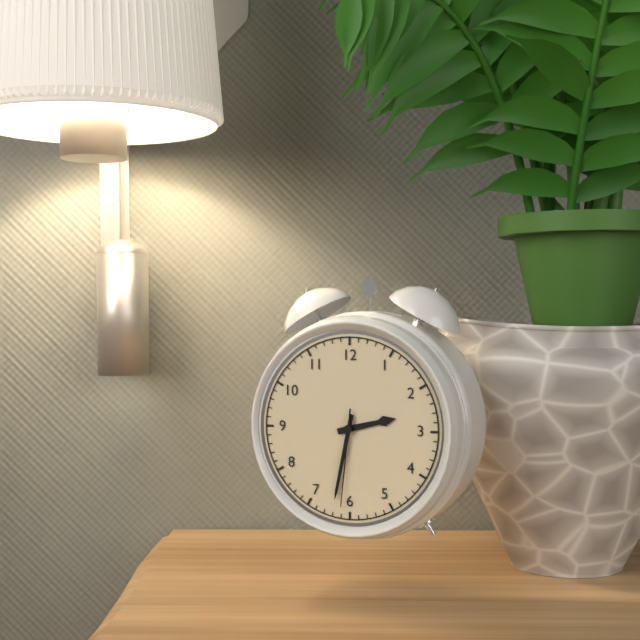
2:32:31
